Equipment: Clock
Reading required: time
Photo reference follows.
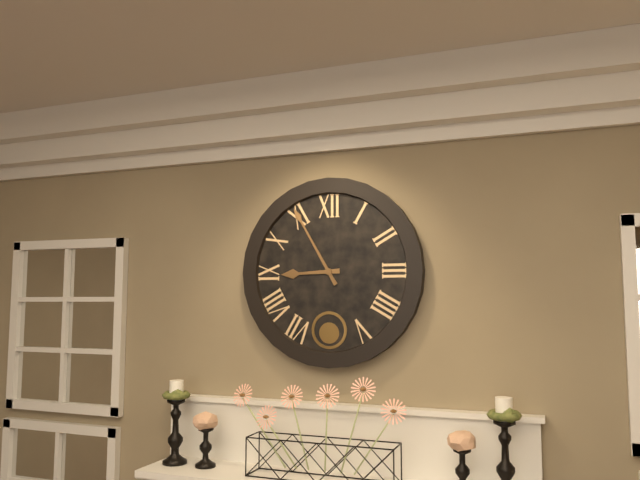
8:55
